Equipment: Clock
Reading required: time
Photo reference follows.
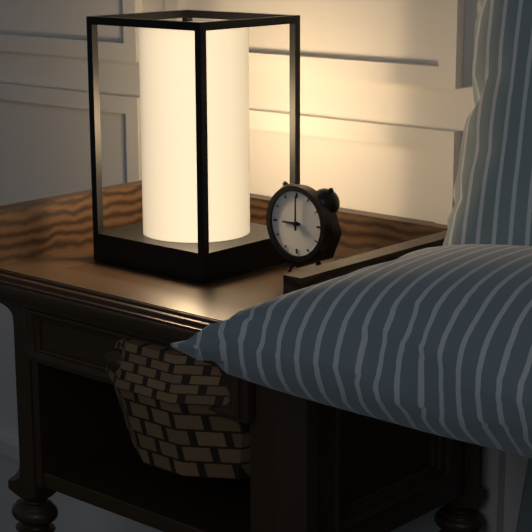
9:00
